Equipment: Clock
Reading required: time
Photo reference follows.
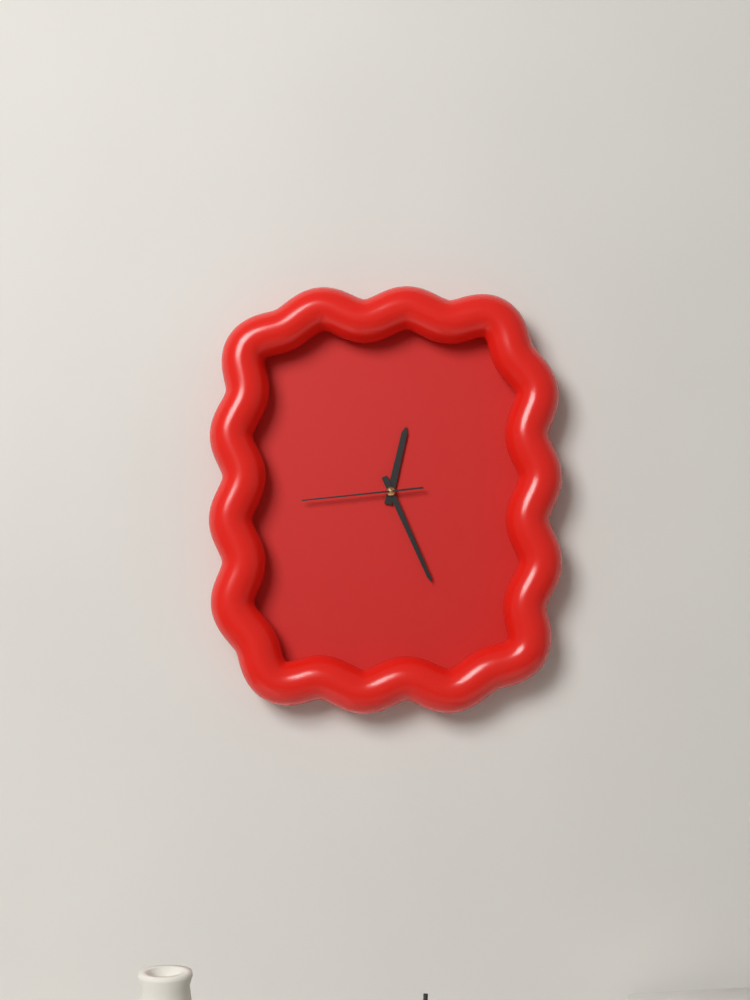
12:26:44
